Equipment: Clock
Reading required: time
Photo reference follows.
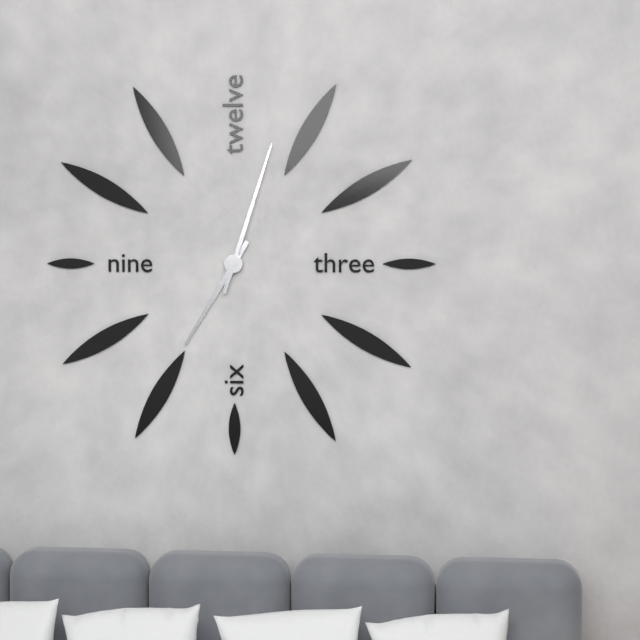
7:03
